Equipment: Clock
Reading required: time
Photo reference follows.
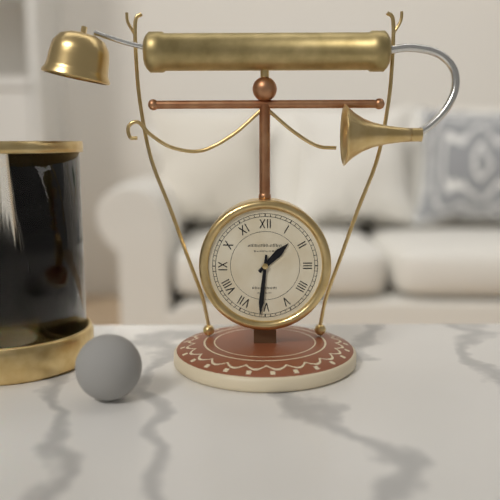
1:31
